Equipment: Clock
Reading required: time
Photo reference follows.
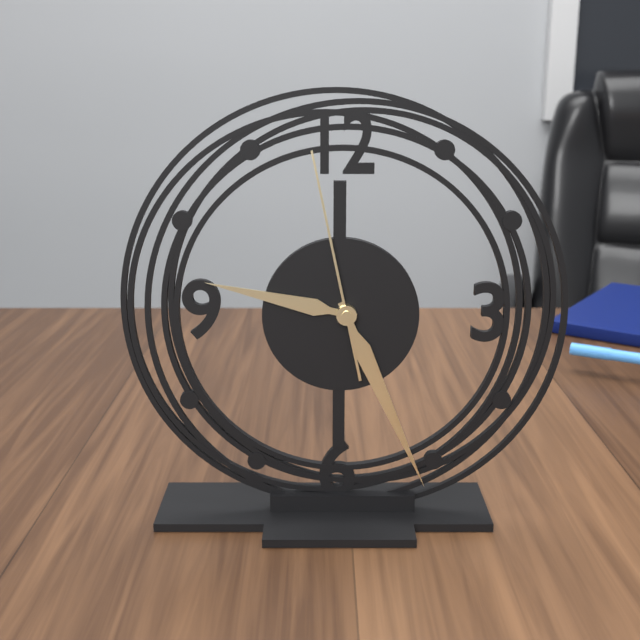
9:26:58
